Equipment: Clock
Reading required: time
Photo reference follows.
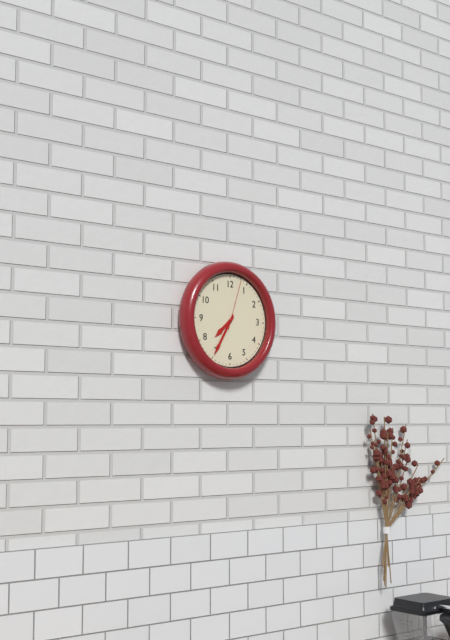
7:35:03
